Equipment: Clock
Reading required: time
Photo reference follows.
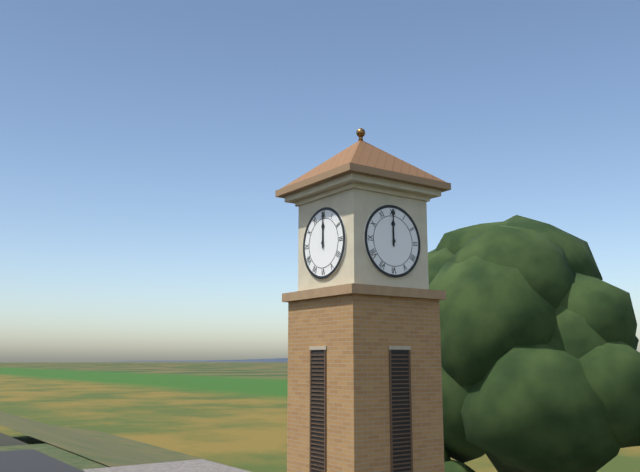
12:00
